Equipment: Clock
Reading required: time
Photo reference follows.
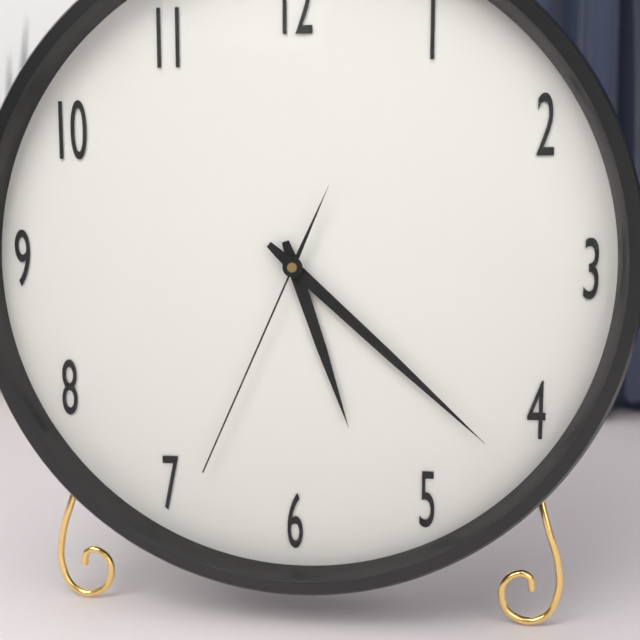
5:22:34
